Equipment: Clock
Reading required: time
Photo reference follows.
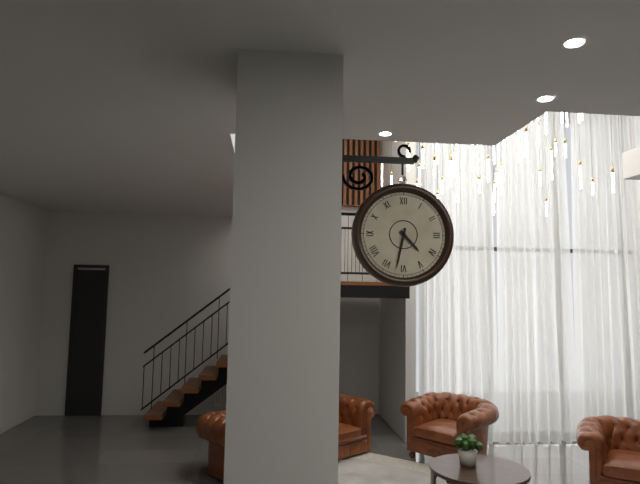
4:32
